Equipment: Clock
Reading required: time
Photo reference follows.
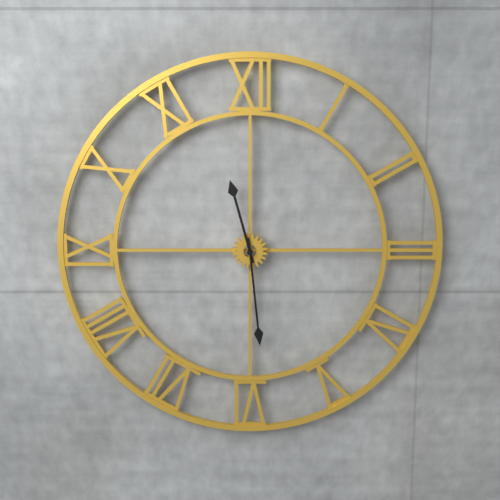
11:29
